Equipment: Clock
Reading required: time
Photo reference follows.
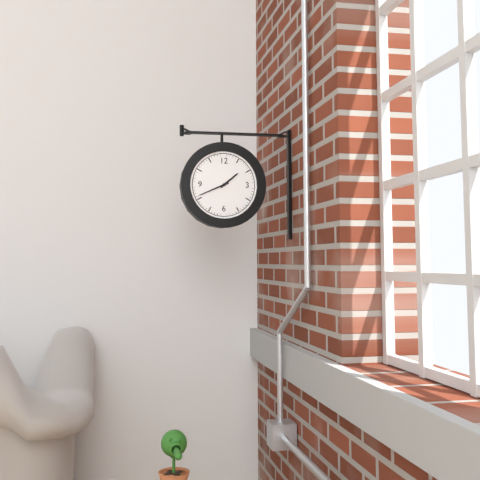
1:41
